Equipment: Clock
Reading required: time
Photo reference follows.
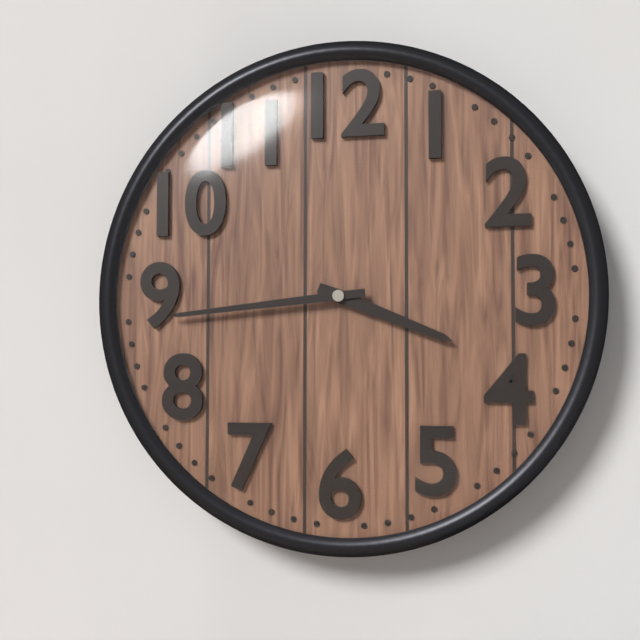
3:44
